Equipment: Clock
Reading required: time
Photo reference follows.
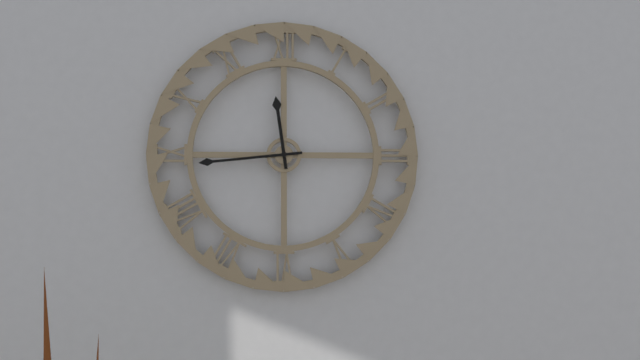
11:44
